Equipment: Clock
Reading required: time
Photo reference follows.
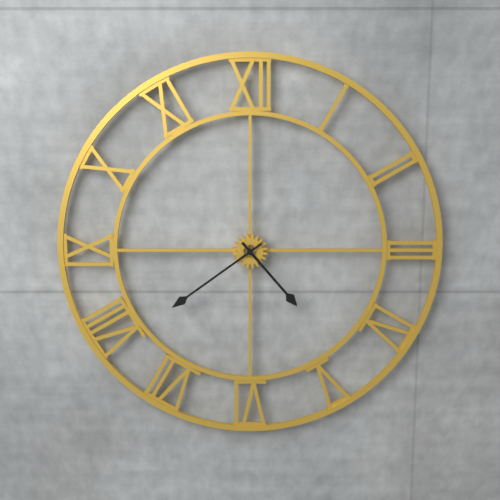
4:39
